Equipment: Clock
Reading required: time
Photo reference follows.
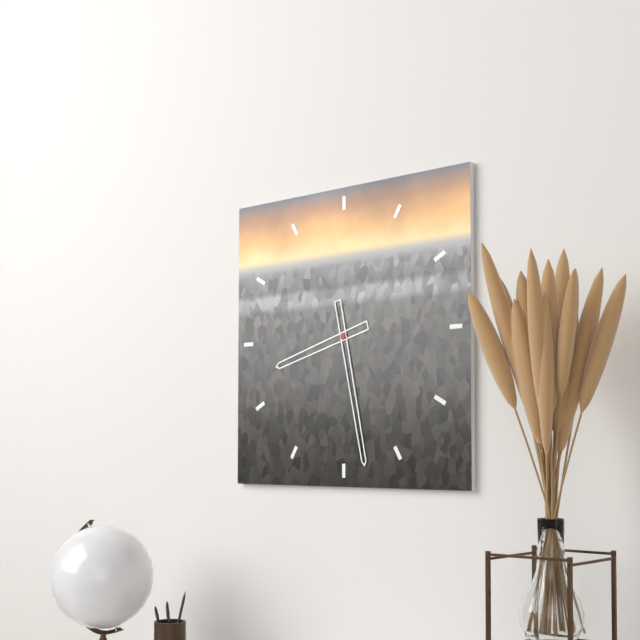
8:28
